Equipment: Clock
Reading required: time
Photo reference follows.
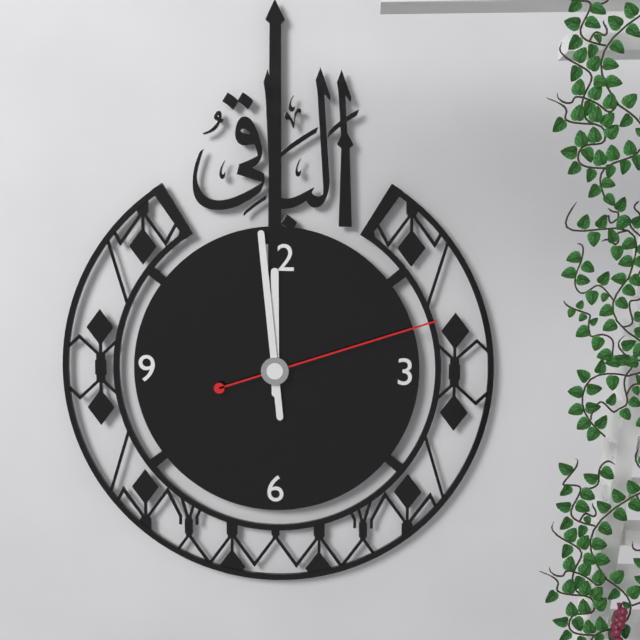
11:59:12
